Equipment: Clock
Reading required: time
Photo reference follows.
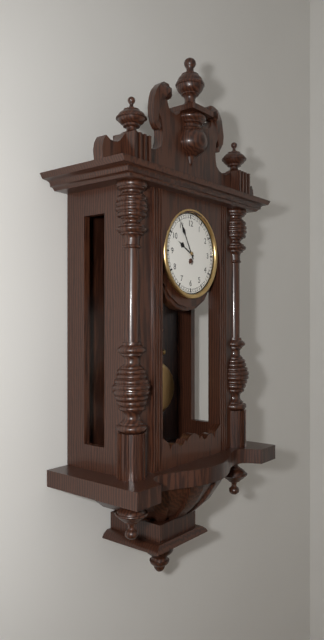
9:55
